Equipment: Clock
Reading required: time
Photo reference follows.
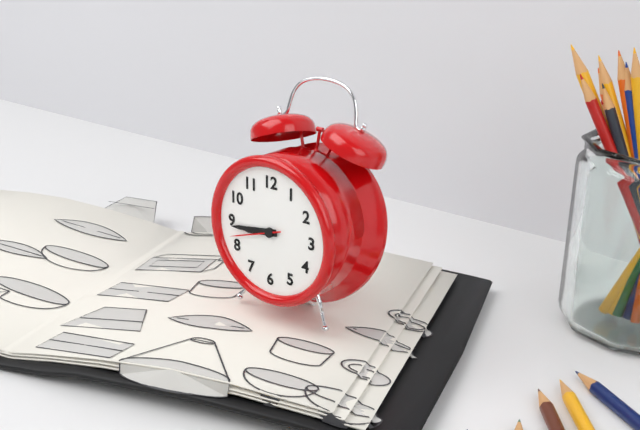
8:44
